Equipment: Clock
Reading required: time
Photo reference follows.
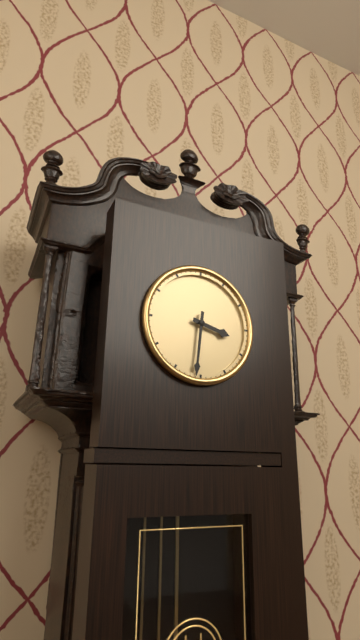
3:31
